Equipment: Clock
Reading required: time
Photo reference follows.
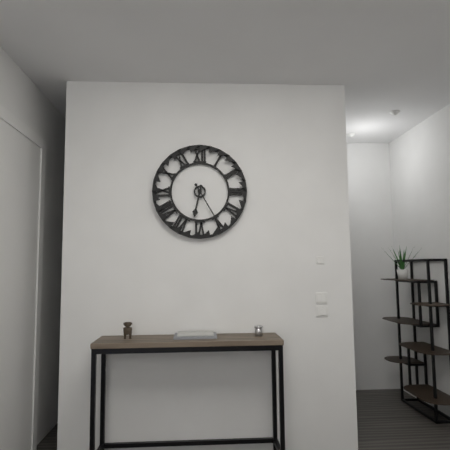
6:25
